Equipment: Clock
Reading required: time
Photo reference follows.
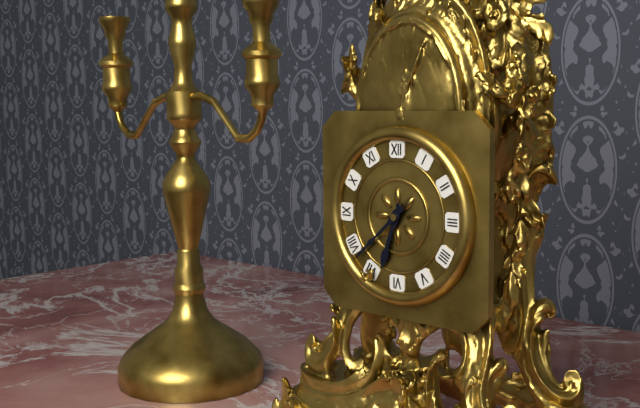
6:38
